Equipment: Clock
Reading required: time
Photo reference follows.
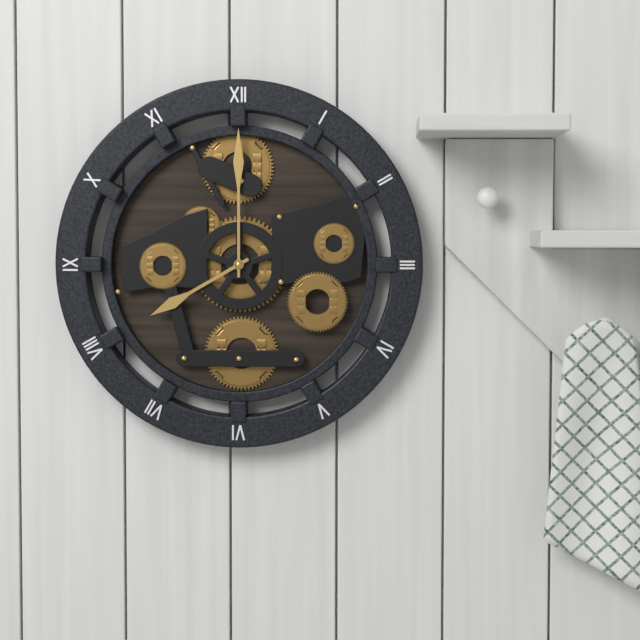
8:00
